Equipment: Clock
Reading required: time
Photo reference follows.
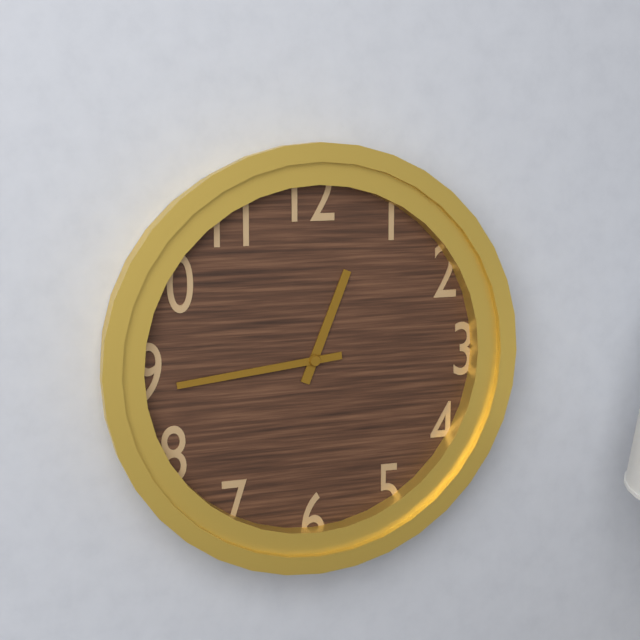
12:44
